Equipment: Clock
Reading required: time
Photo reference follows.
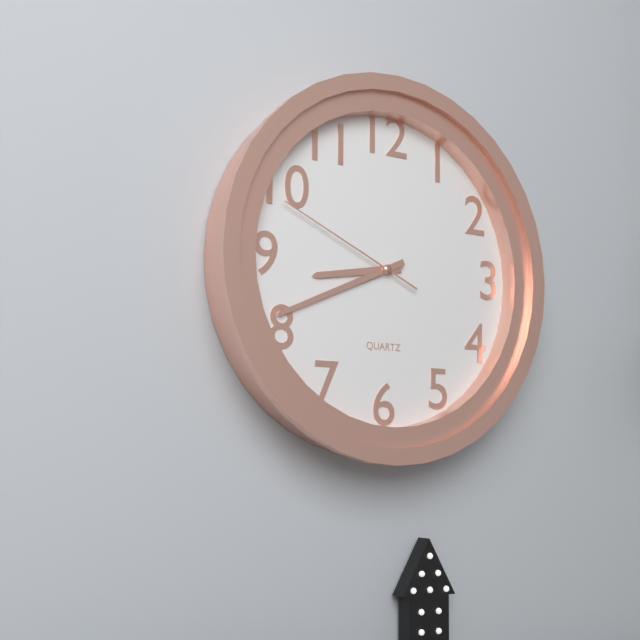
8:41:49
